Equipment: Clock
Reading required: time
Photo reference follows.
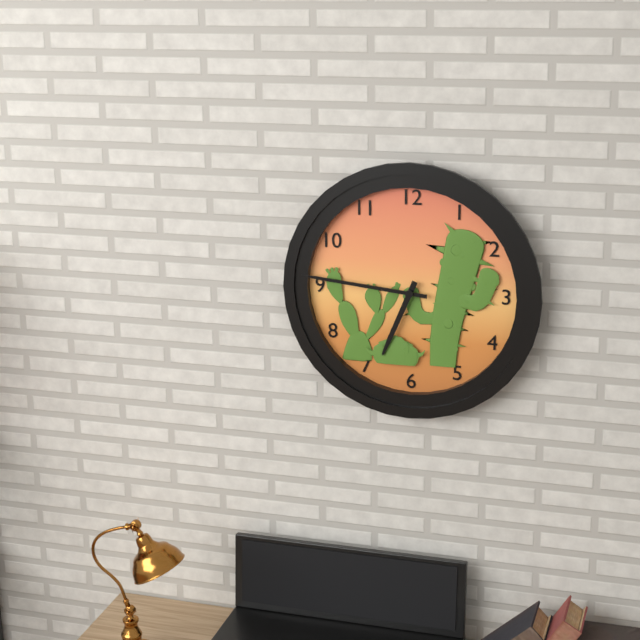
6:46
